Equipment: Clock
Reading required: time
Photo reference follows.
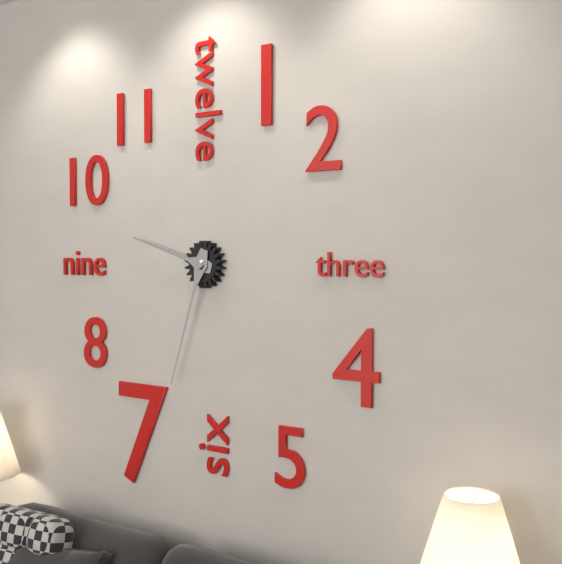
9:33
